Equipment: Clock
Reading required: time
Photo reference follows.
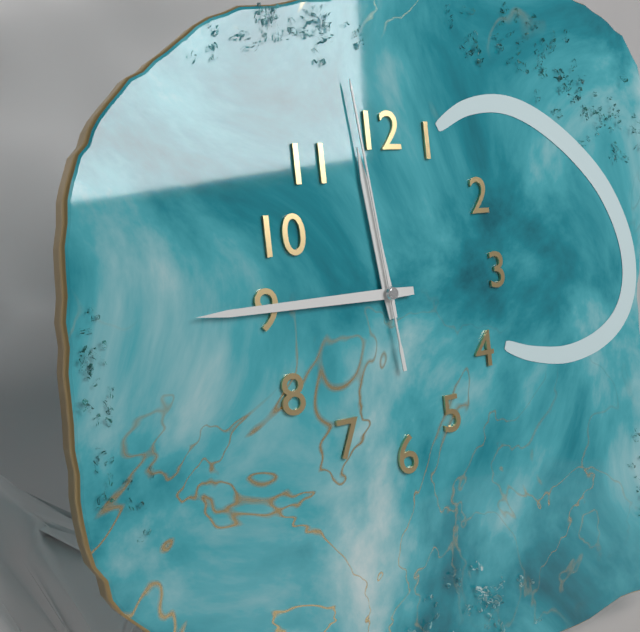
11:45:59
